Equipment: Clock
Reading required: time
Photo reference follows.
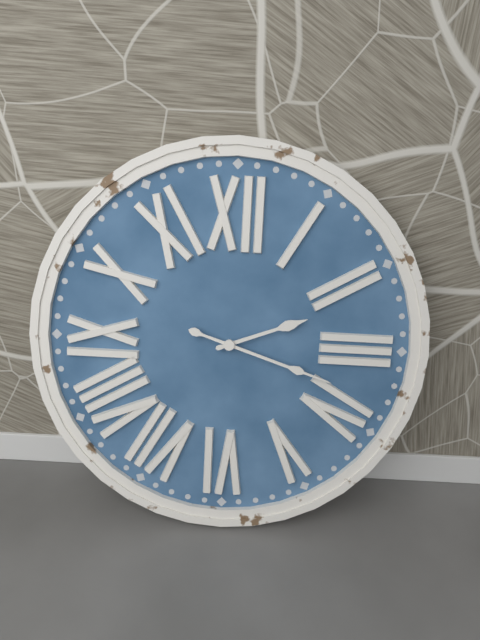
2:18
